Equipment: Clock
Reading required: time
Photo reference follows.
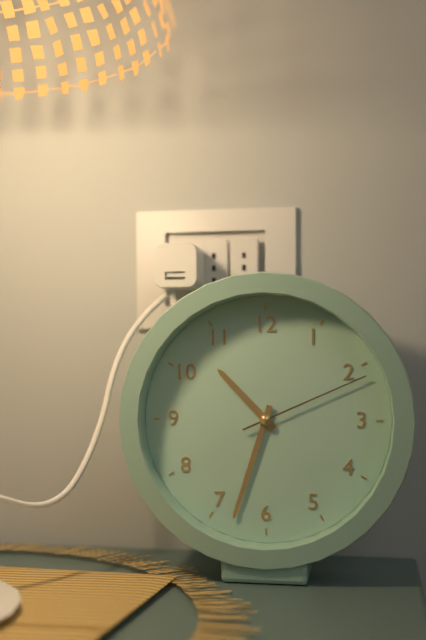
10:33:11
